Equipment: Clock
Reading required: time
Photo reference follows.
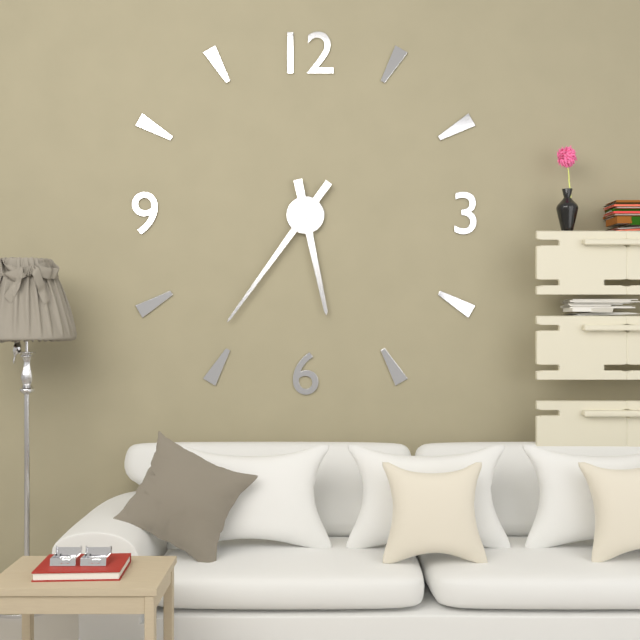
5:36
